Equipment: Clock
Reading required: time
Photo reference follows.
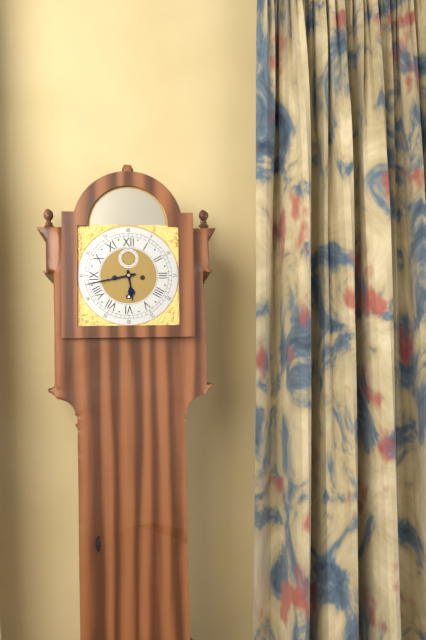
5:43
